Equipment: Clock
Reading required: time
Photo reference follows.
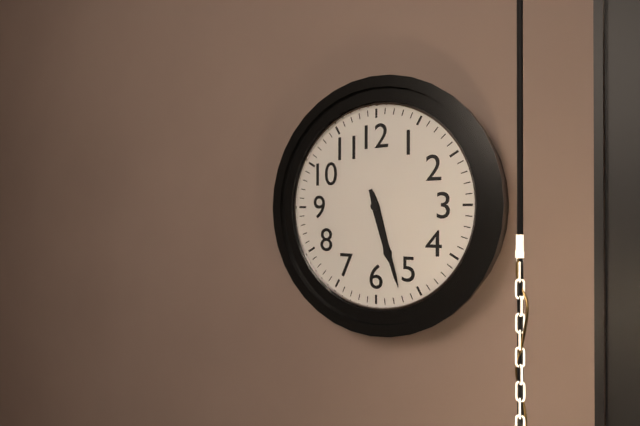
5:27
